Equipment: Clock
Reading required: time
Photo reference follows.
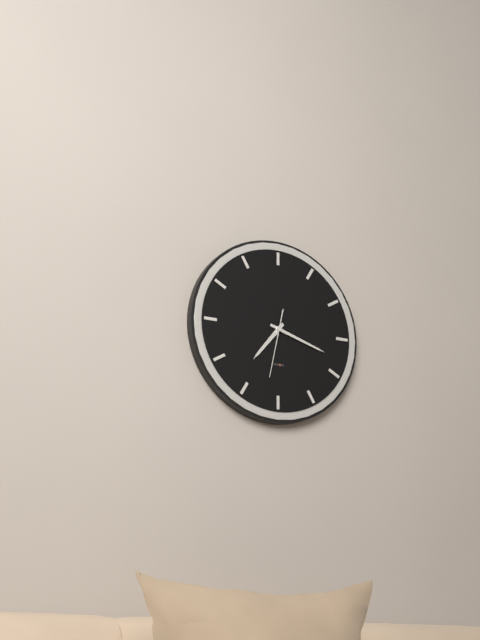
7:18:32
